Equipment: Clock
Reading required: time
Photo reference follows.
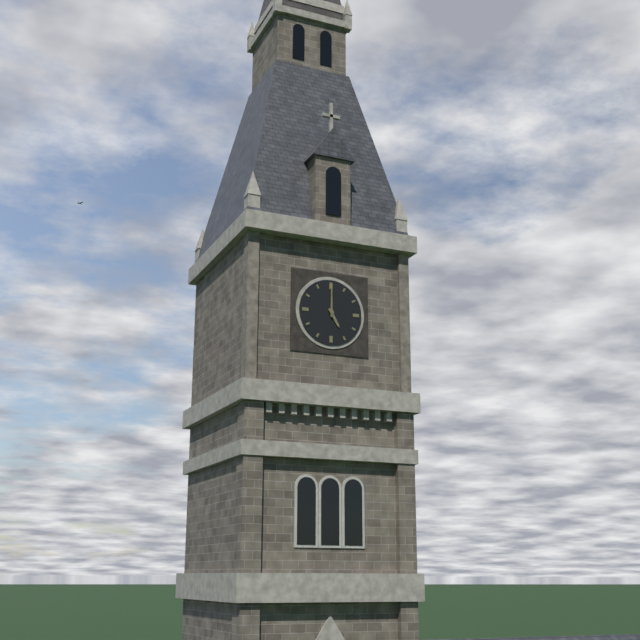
5:00
